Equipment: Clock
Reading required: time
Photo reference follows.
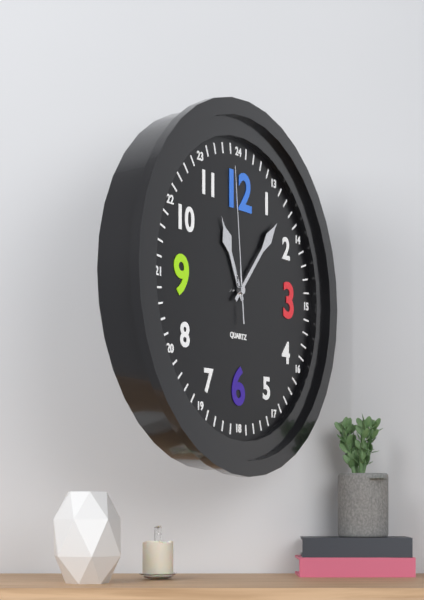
11:07:59
